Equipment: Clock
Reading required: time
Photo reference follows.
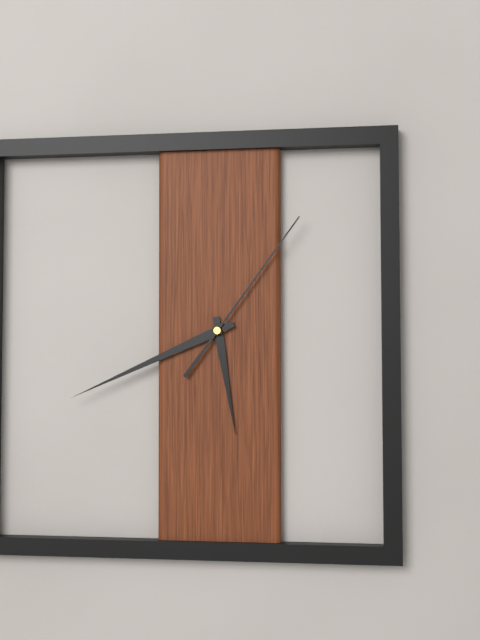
5:41:06
